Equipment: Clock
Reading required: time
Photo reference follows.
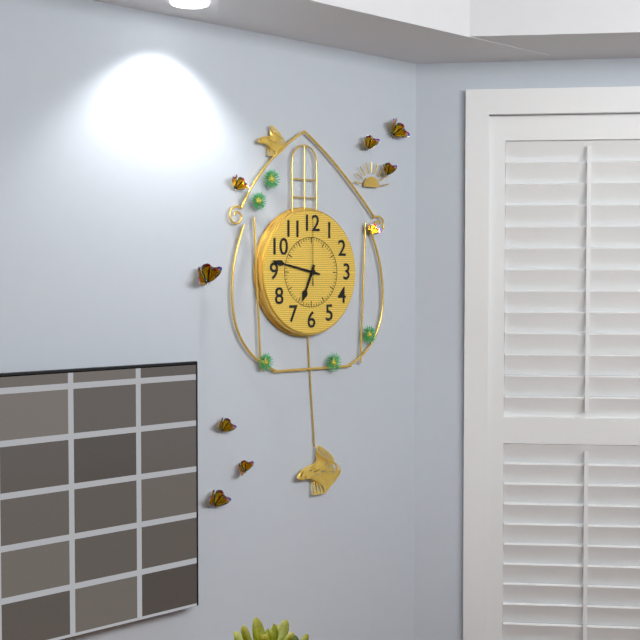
6:47:00
